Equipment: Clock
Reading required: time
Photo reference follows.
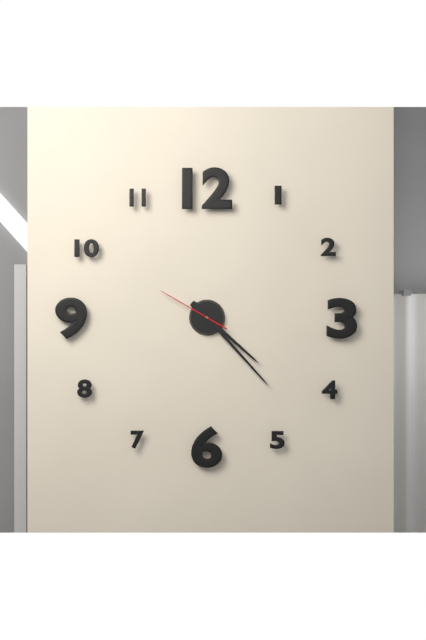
4:23:50
